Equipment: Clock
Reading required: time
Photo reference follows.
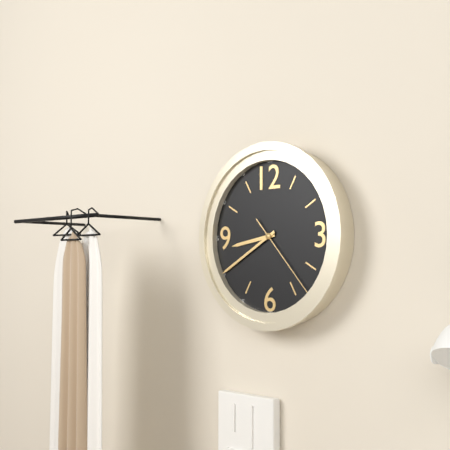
8:40:23
